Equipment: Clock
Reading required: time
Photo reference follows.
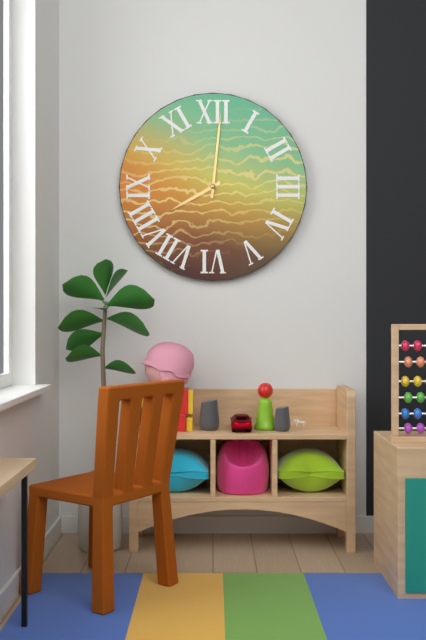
8:01
